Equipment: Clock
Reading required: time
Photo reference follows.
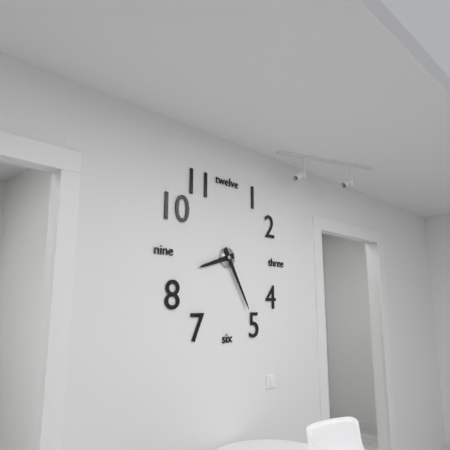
8:25
